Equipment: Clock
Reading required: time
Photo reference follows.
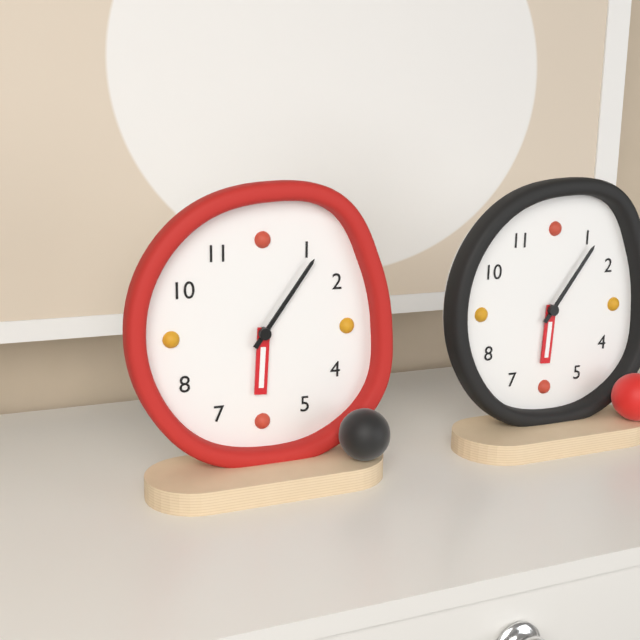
6:06
